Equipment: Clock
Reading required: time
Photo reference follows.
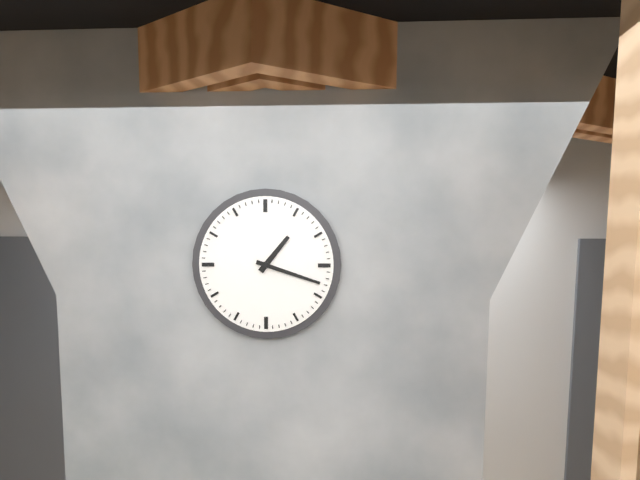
1:18
